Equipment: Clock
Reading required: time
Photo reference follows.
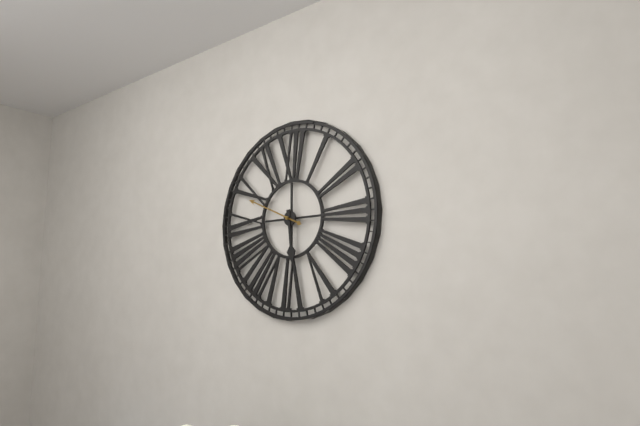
5:49
